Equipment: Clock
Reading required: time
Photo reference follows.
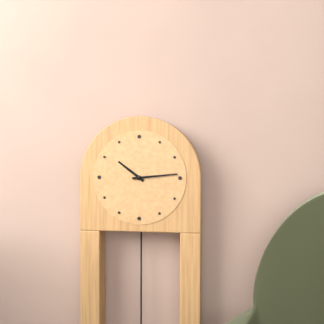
10:14
